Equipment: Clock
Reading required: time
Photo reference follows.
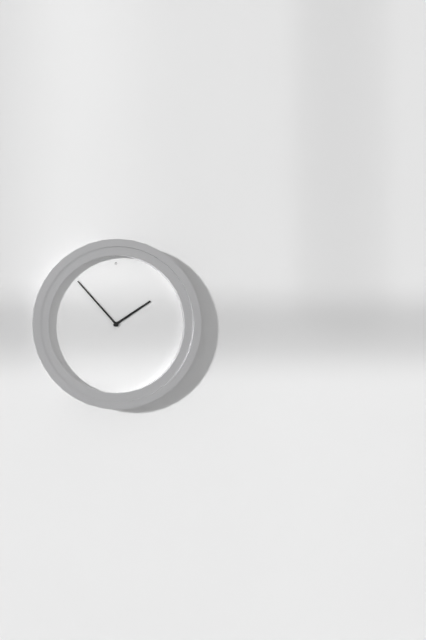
1:53
